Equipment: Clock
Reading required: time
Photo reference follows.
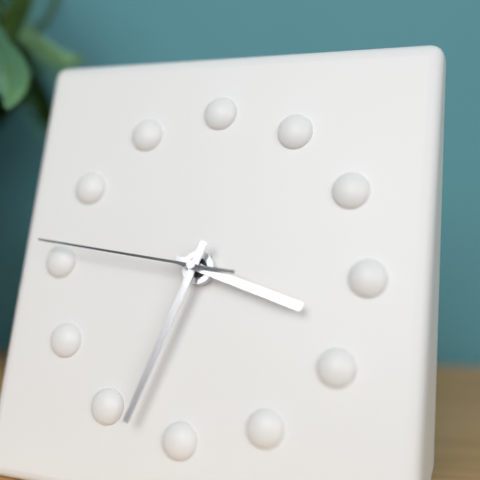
3:33:46
